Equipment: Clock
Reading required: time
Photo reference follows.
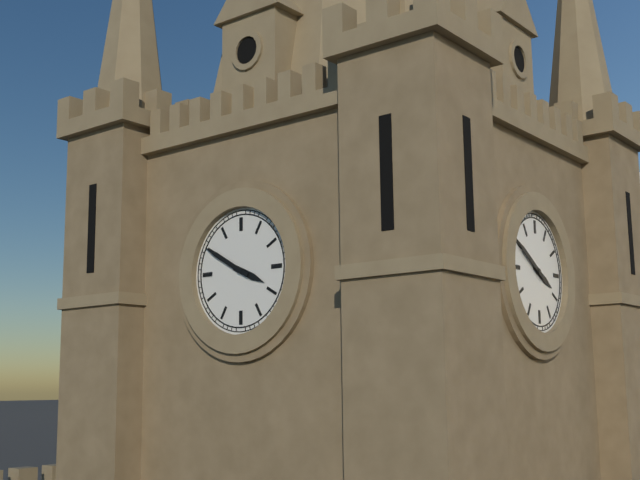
3:50
